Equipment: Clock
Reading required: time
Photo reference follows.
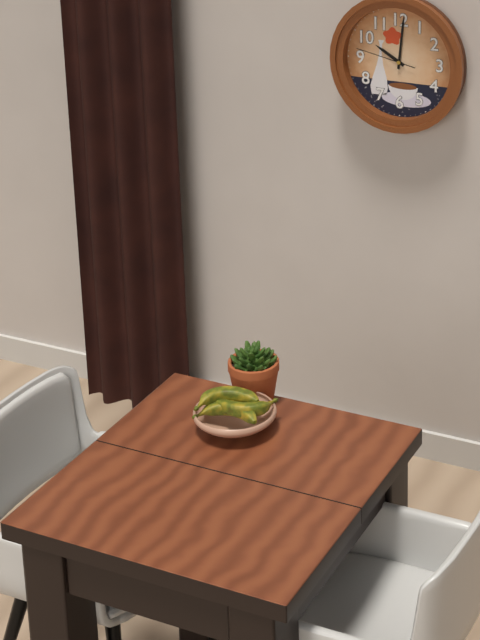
10:01:47
